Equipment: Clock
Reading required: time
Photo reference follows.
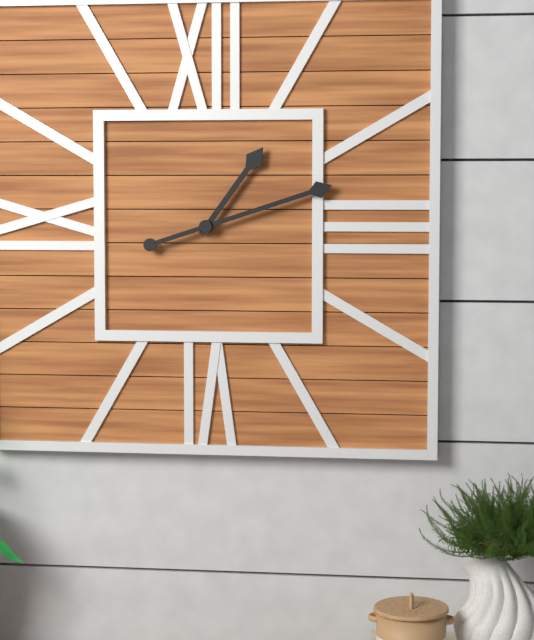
1:12
